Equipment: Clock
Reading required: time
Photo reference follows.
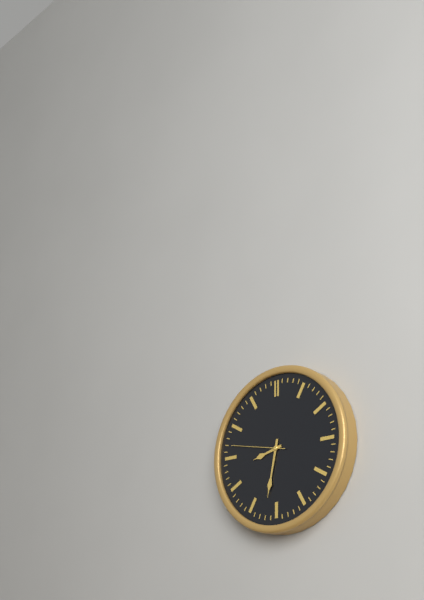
8:32:47
